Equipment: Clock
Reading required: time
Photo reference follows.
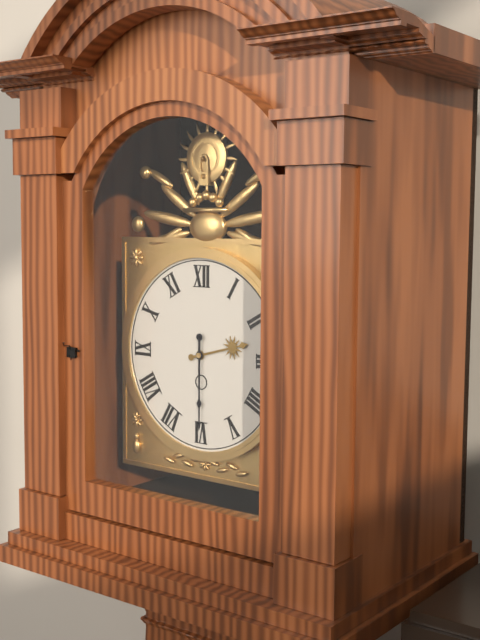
2:30
